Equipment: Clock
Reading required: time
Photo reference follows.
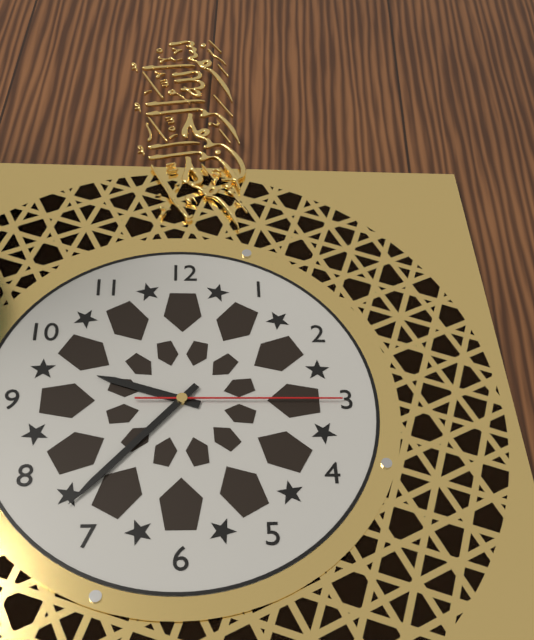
9:37:15
